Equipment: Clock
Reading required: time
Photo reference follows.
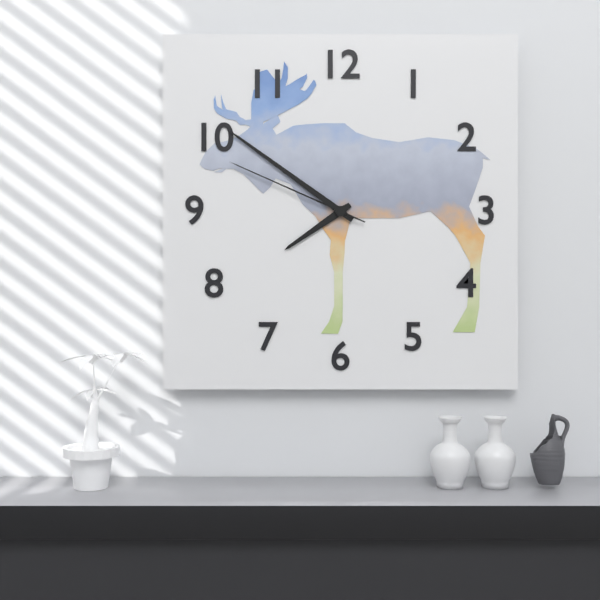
7:51:49
